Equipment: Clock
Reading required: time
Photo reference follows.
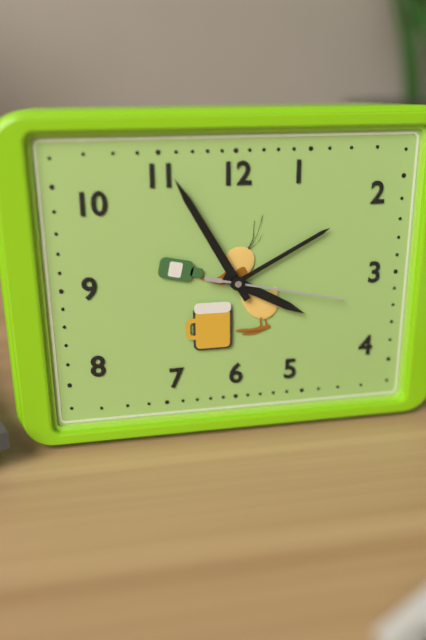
3:55:17
